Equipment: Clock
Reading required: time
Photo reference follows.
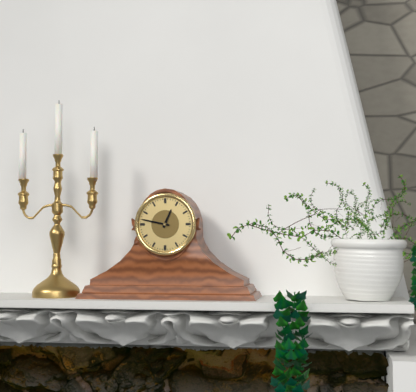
12:47
